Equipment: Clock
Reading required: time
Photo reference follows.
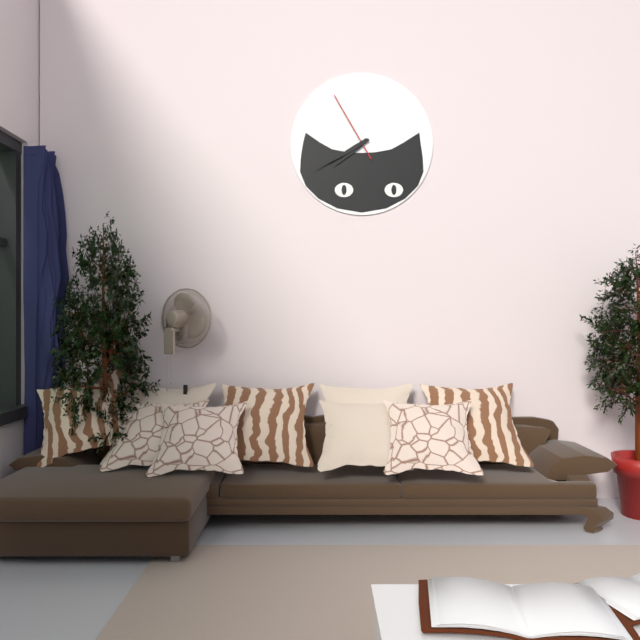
7:40:55
